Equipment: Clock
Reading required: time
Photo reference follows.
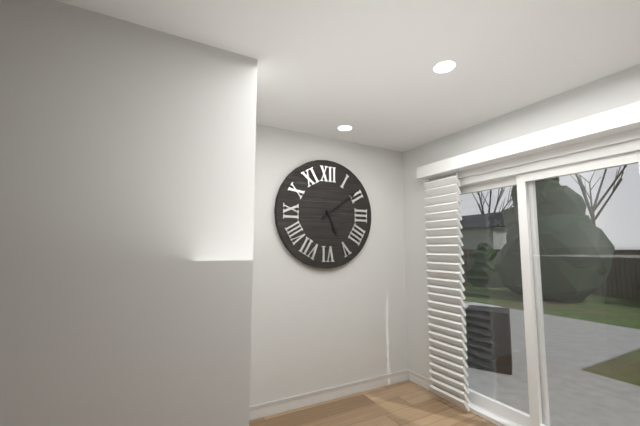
5:09
